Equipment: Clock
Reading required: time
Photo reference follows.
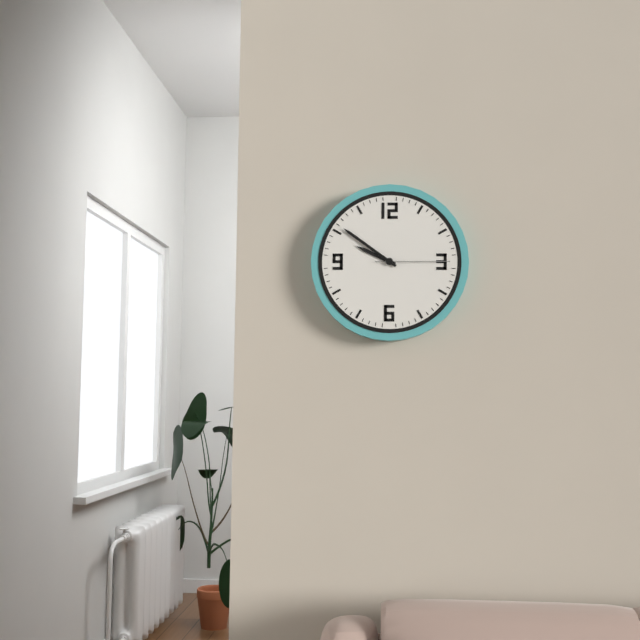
9:51:15
